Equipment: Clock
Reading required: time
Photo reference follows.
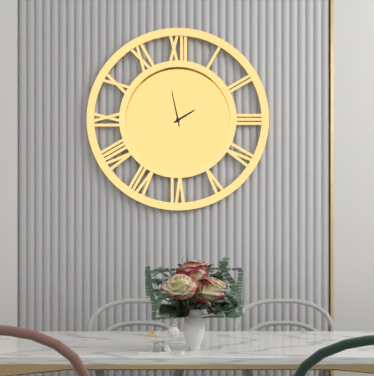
1:58
